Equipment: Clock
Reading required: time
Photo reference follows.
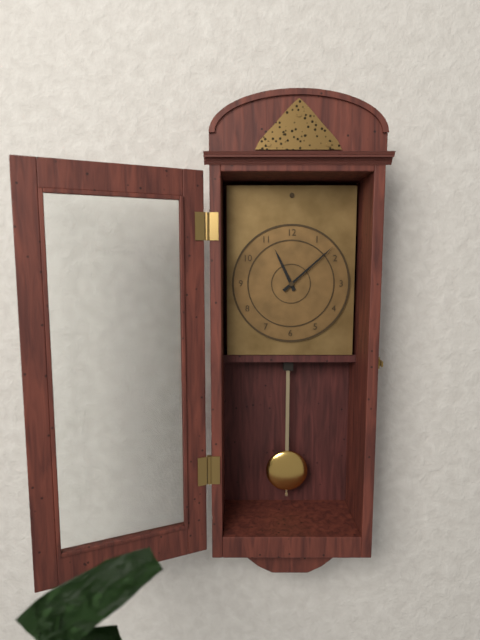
11:08
